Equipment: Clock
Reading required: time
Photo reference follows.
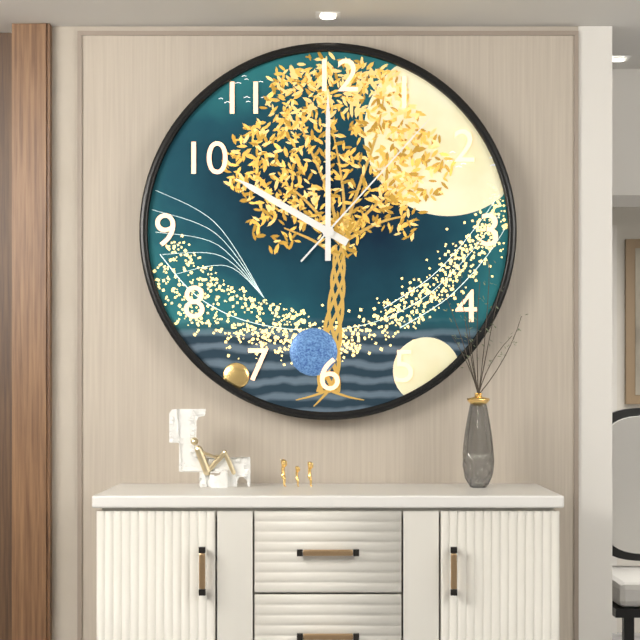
10:00:07
